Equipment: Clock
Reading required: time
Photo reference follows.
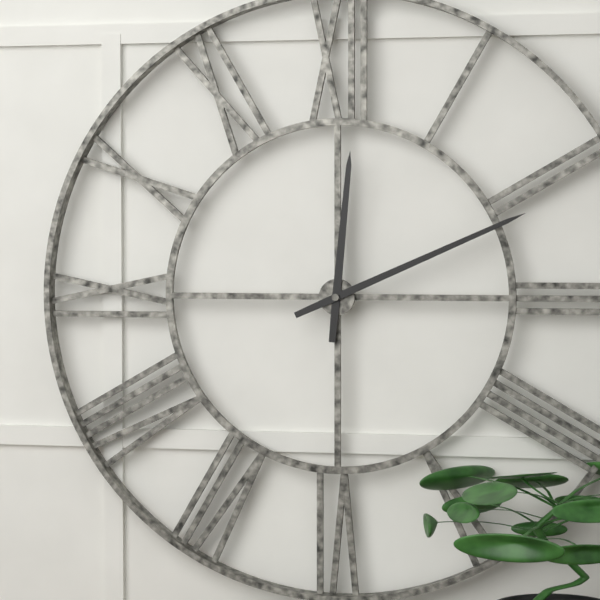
12:11
